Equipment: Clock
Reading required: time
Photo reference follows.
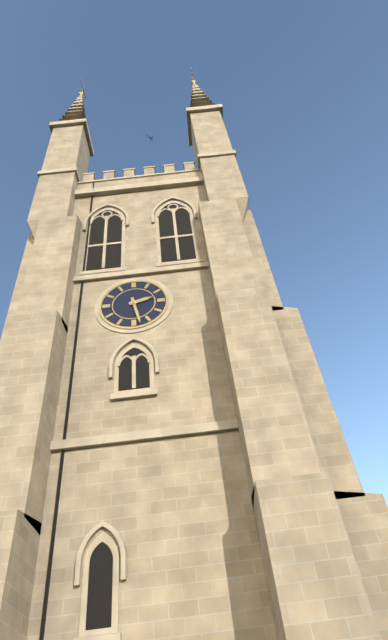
2:28
